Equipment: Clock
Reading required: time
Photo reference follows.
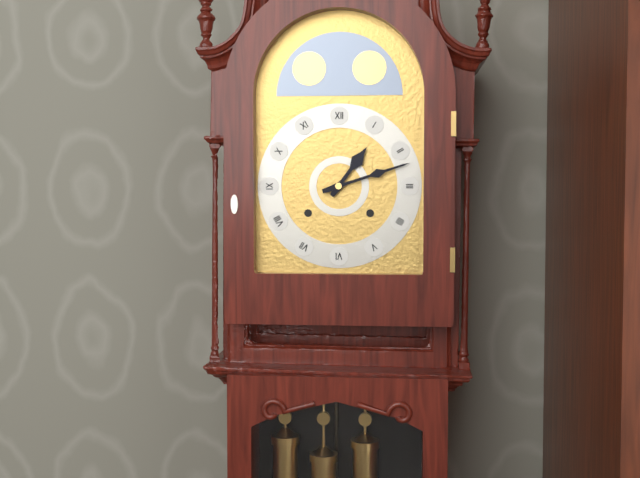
1:12
